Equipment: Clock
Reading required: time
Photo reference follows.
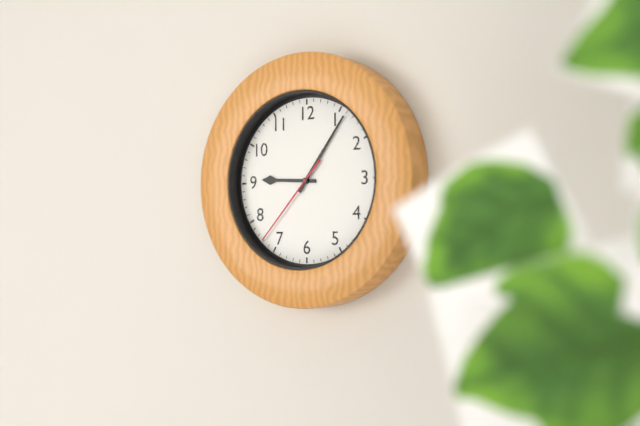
9:06:37
